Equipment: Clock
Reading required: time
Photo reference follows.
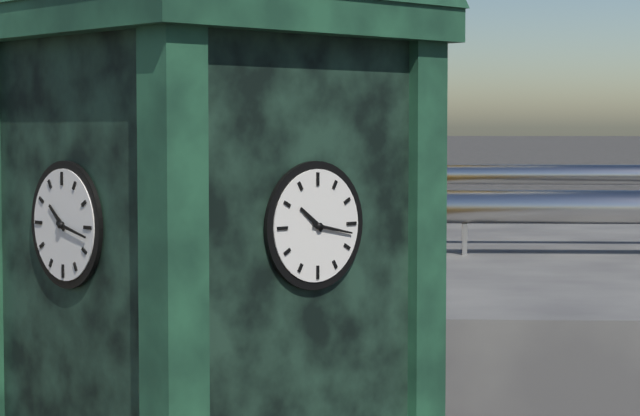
10:17
